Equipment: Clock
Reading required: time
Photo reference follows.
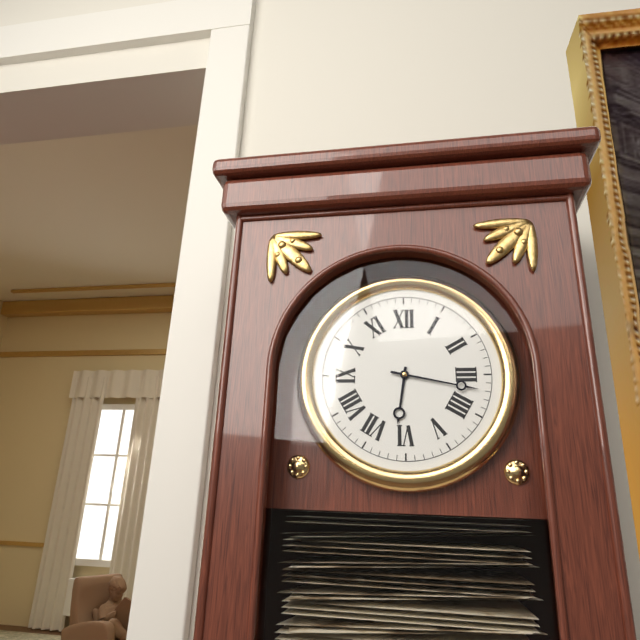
6:17
